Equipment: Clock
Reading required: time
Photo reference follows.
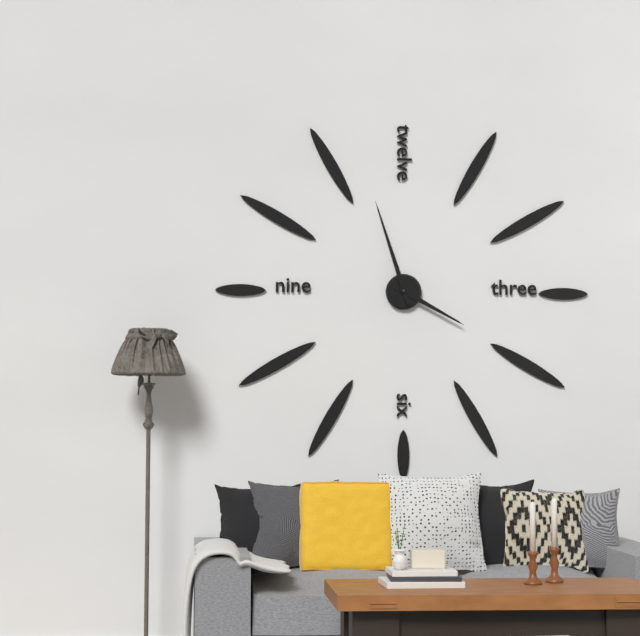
3:57
